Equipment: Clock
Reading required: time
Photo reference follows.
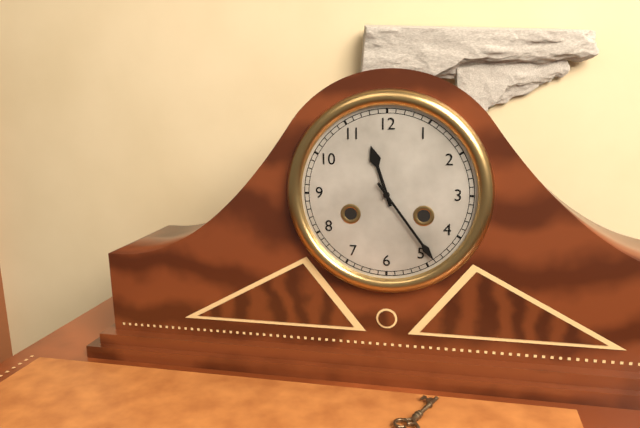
11:24
